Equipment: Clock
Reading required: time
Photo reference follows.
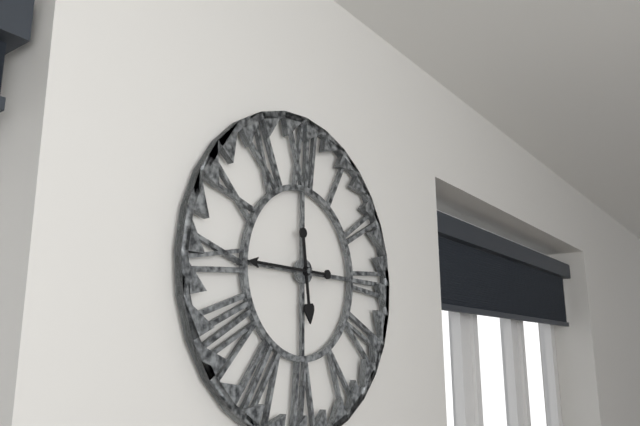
5:45
